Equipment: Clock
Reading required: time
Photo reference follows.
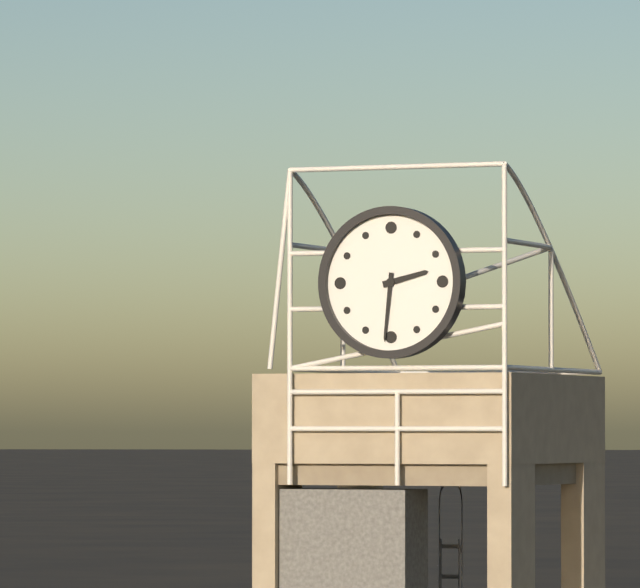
2:31
